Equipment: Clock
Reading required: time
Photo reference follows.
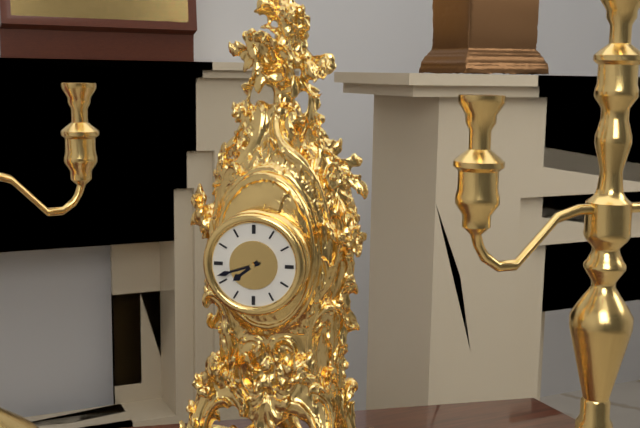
7:42
